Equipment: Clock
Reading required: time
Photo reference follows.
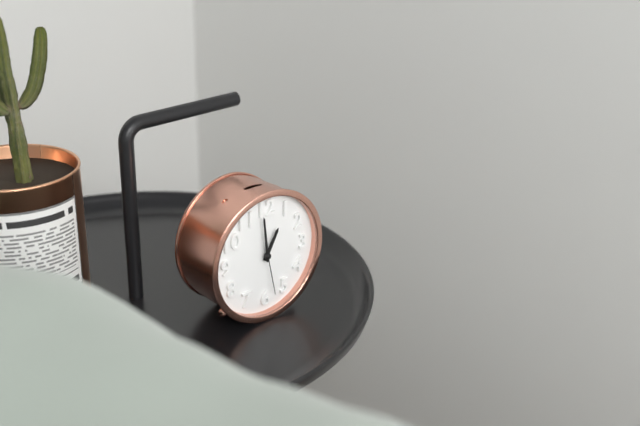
12:59
